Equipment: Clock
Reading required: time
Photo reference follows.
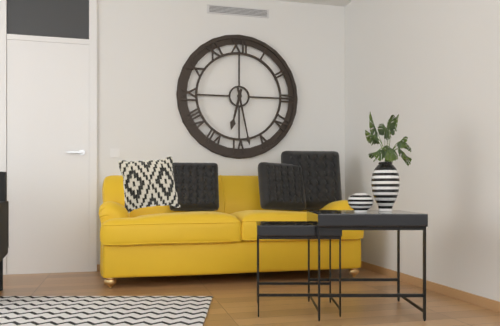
6:28
